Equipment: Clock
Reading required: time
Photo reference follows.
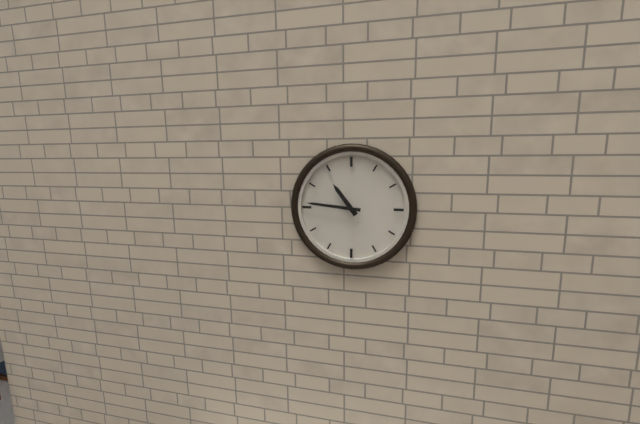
10:46
